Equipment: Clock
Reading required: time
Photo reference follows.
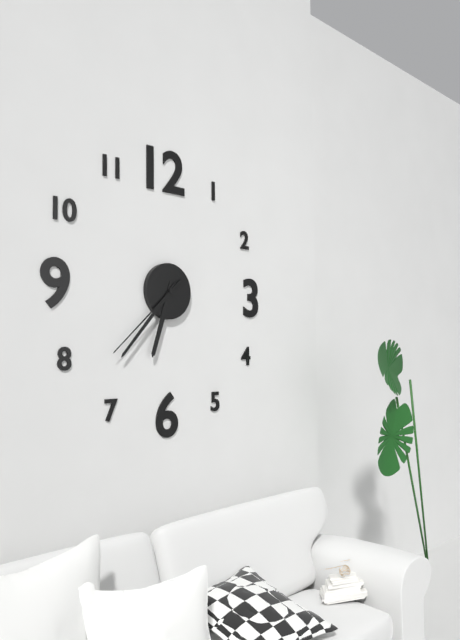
6:37:38
